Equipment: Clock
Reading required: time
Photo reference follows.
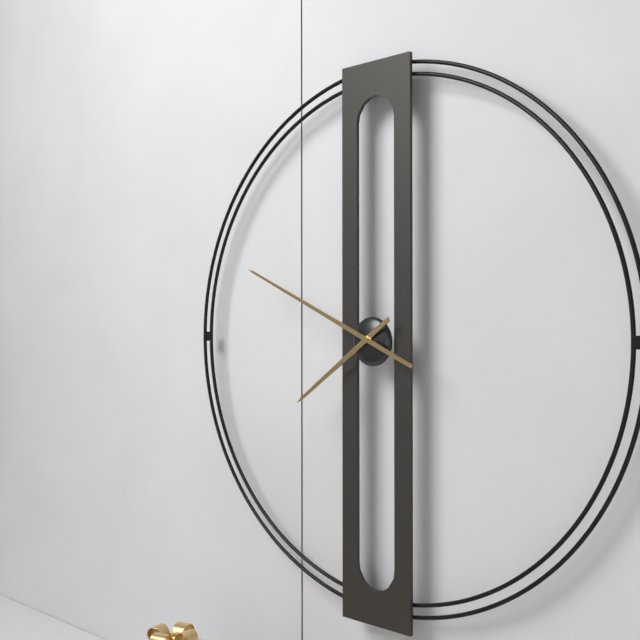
7:49
